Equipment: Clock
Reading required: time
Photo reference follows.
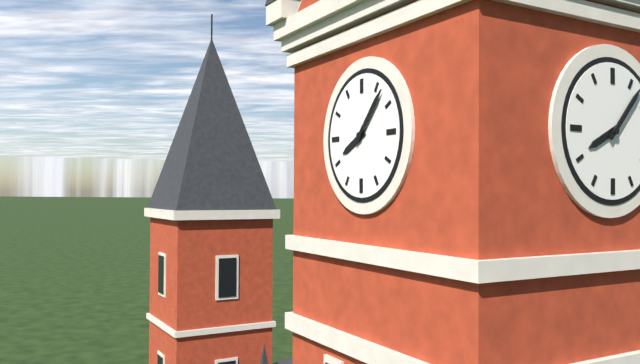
8:07
